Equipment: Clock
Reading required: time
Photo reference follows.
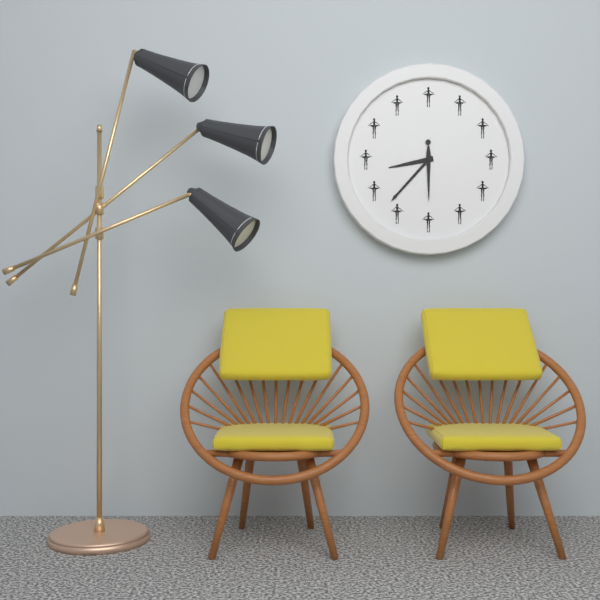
8:37
